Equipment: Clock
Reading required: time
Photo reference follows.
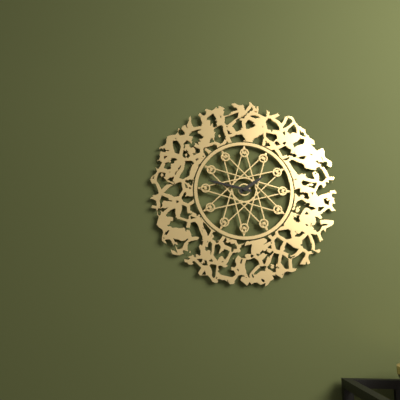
1:47
